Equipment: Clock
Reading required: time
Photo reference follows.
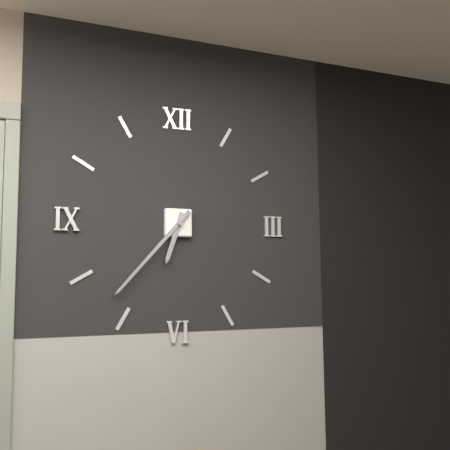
6:37
